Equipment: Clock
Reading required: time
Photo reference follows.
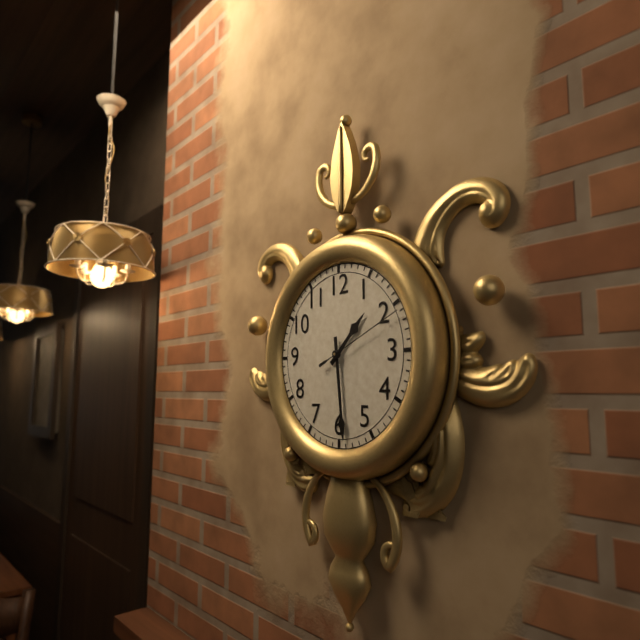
1:29:11
